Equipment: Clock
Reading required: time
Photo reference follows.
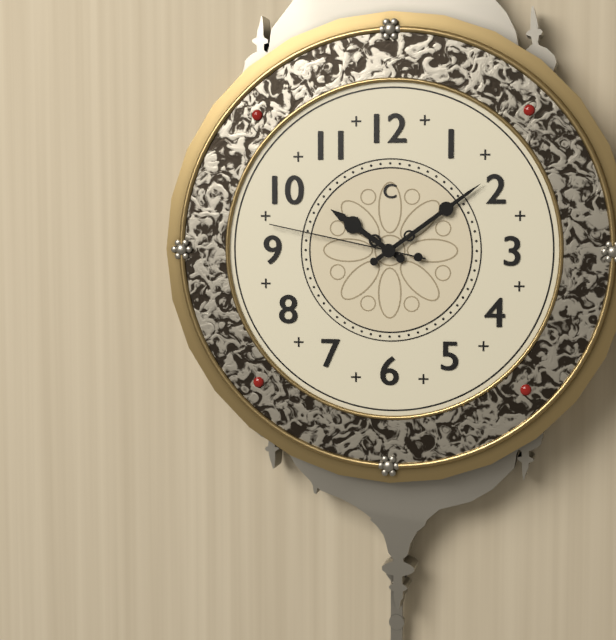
10:09:47
